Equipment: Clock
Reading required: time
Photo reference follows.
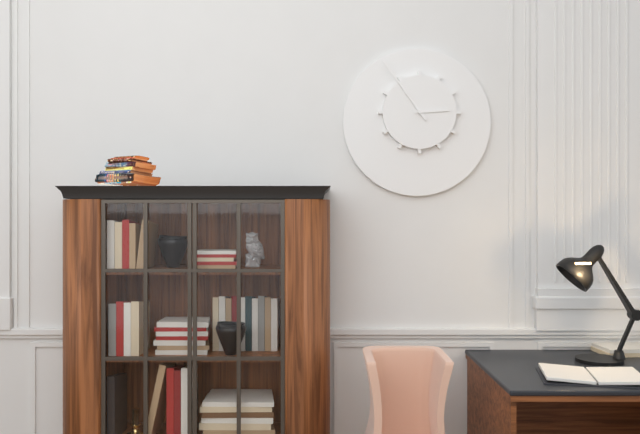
2:54
